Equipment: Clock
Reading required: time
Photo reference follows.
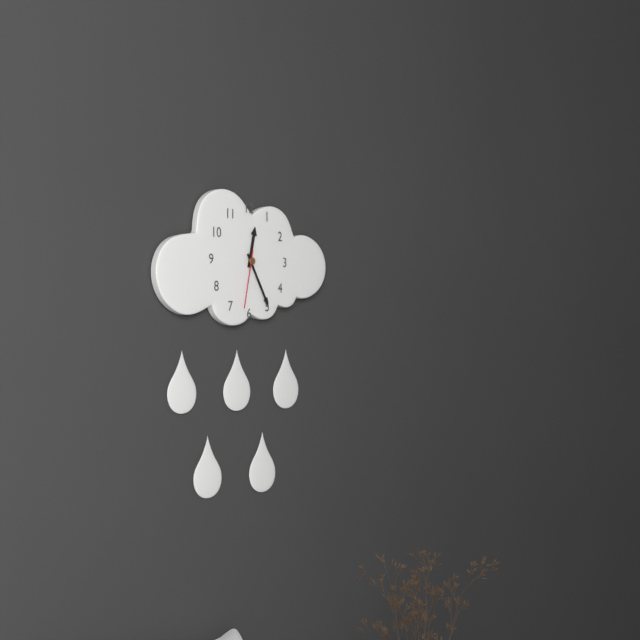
12:25:32
